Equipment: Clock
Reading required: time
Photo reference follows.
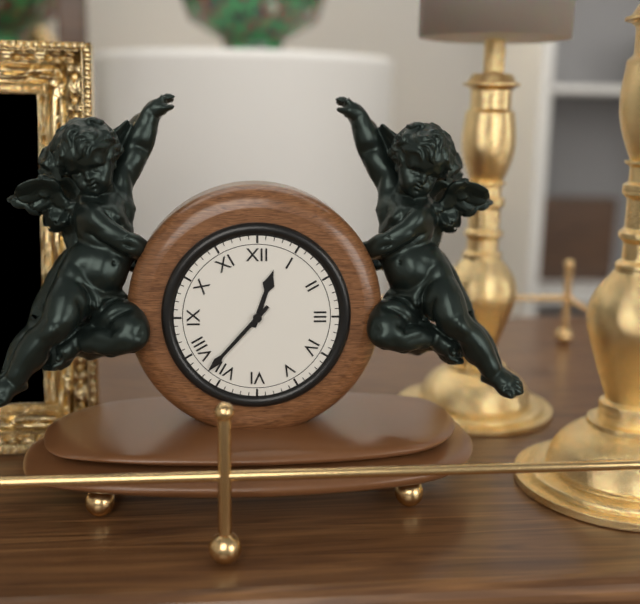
12:37
